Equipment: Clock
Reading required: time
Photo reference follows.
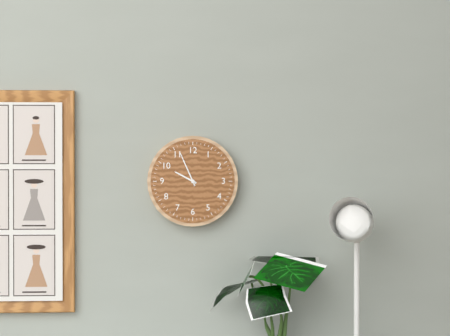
9:56
